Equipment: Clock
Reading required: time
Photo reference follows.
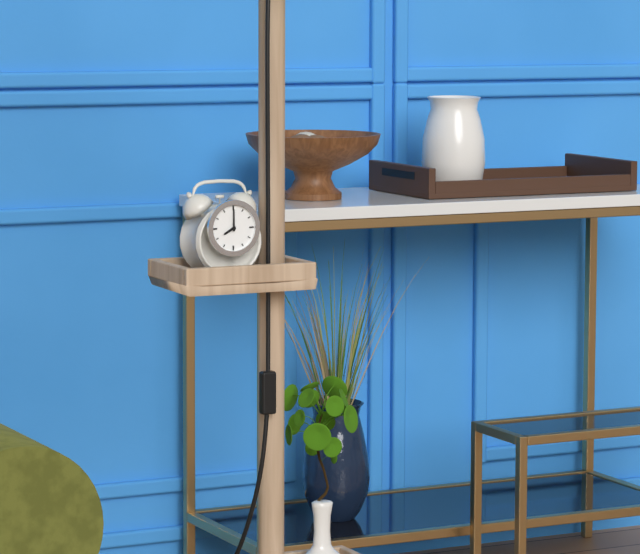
8:00
